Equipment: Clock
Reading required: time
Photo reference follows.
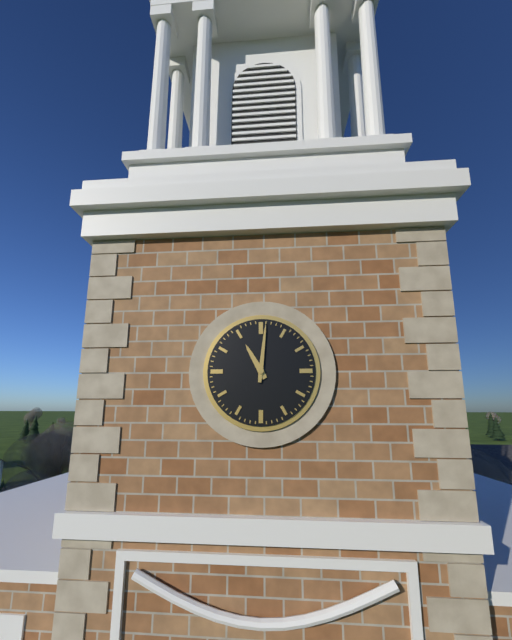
11:01
